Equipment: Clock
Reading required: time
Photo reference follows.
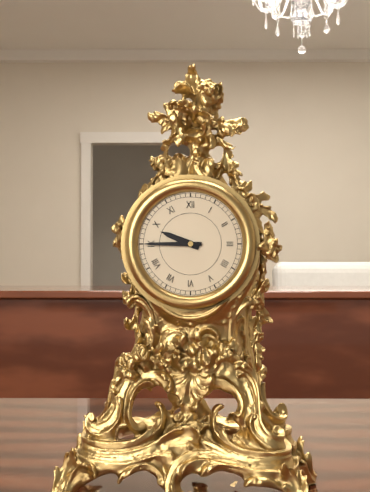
9:45
